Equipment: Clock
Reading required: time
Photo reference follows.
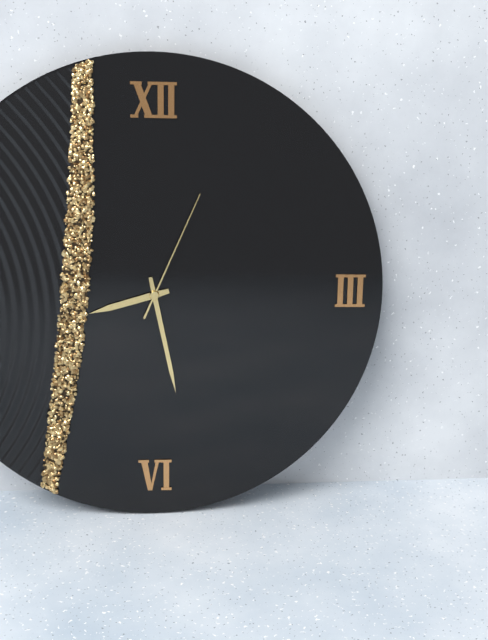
8:28:04
